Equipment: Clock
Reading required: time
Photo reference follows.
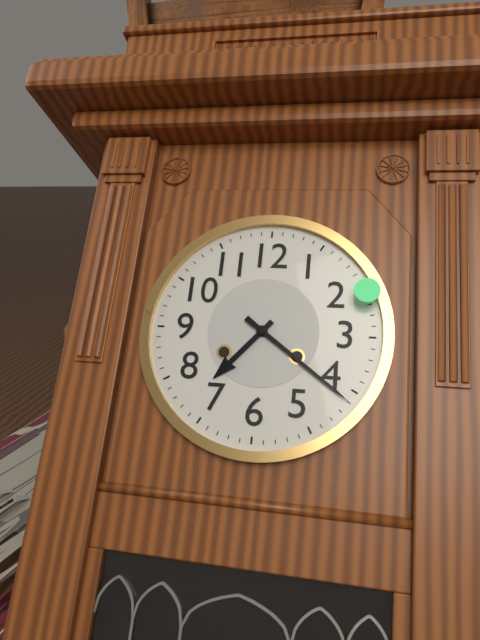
7:21
